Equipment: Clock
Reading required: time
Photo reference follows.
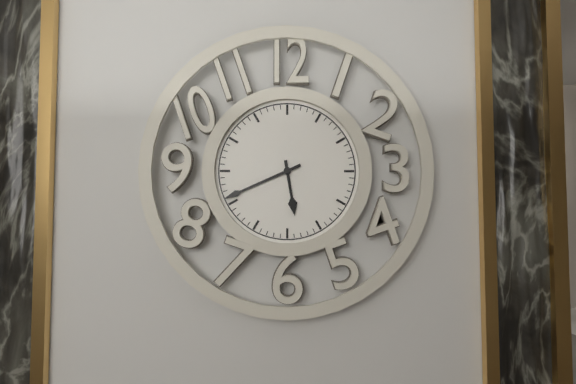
5:41
